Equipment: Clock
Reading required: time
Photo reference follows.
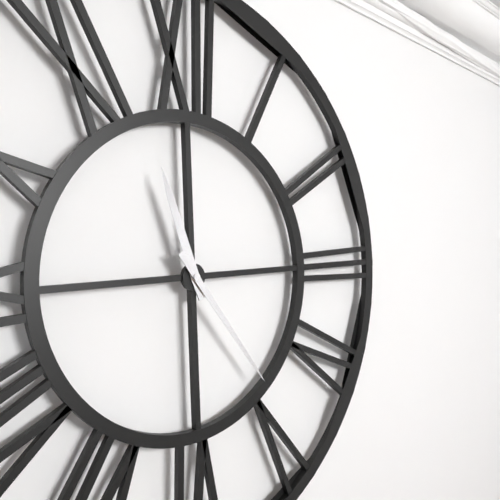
11:24
